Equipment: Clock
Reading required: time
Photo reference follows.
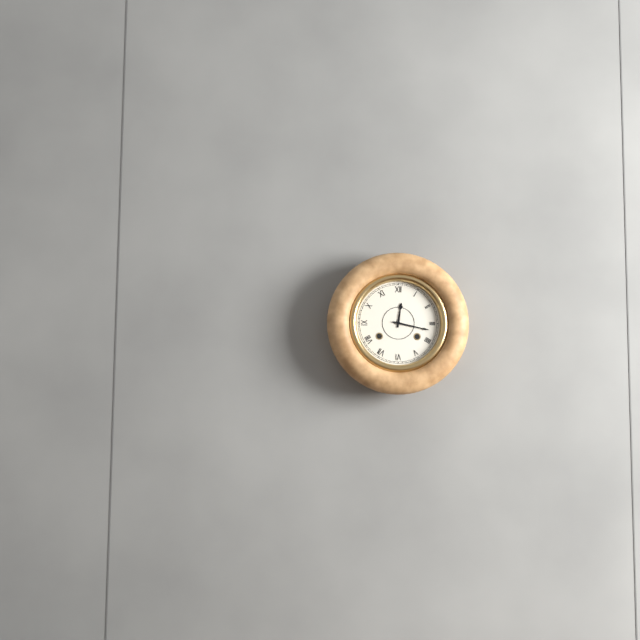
12:17
